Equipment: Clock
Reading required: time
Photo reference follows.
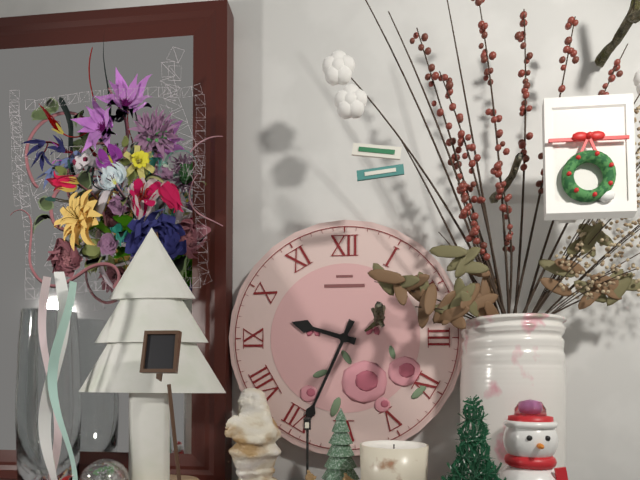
9:34
